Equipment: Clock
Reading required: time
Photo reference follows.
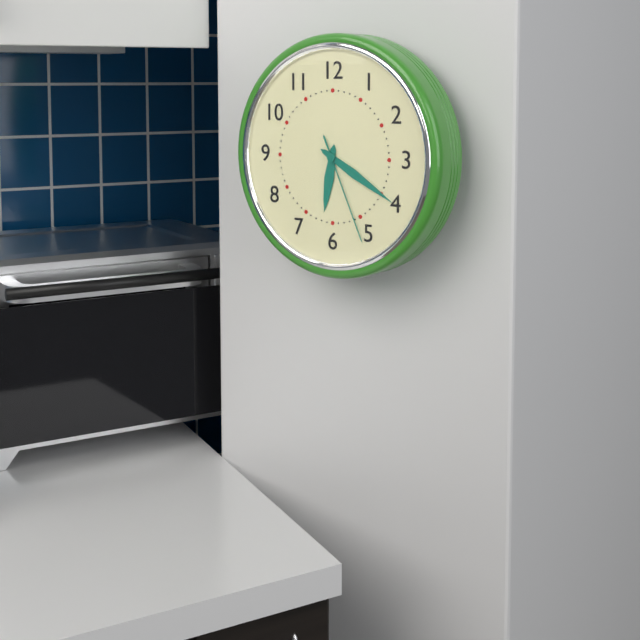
6:20:26
